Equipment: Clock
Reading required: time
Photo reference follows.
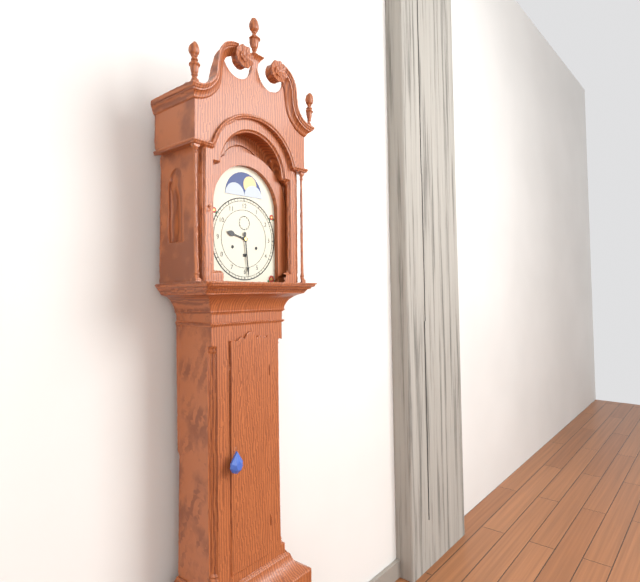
9:29
